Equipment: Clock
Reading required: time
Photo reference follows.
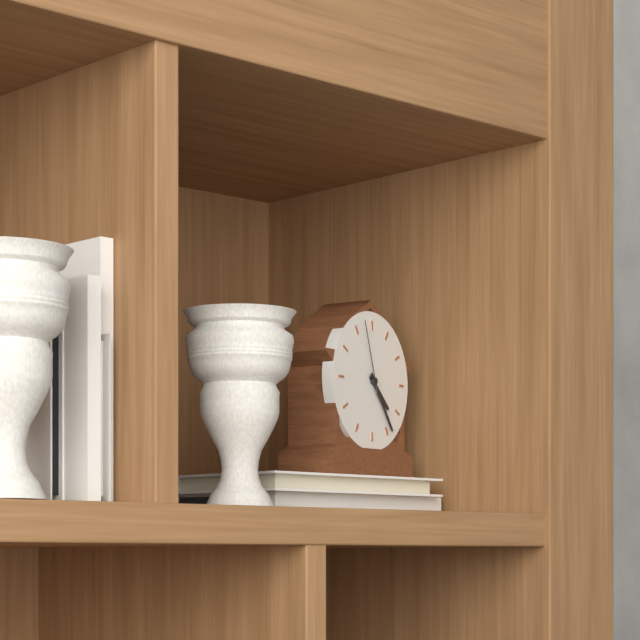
4:24:57
